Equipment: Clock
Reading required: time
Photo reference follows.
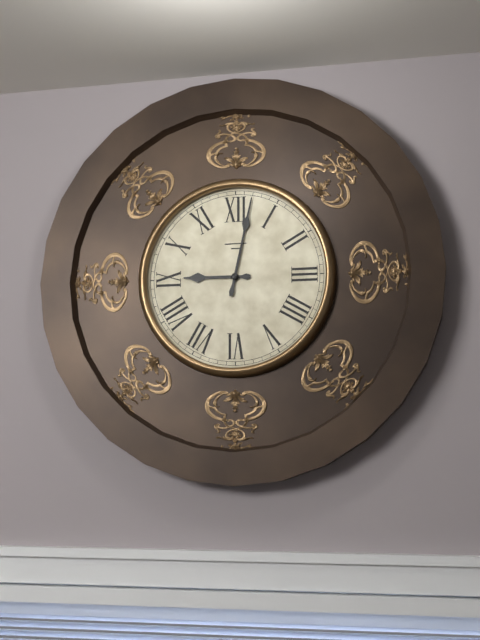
9:02
